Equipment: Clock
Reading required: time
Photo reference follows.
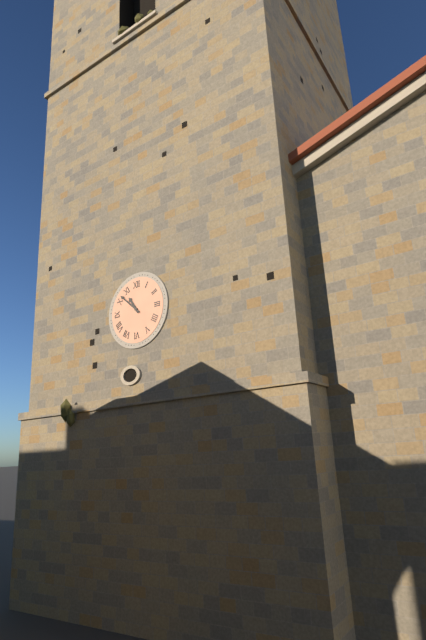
10:52
